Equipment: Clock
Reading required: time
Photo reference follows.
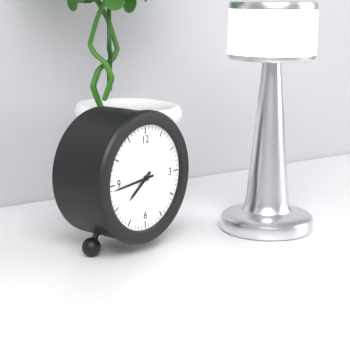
7:44
